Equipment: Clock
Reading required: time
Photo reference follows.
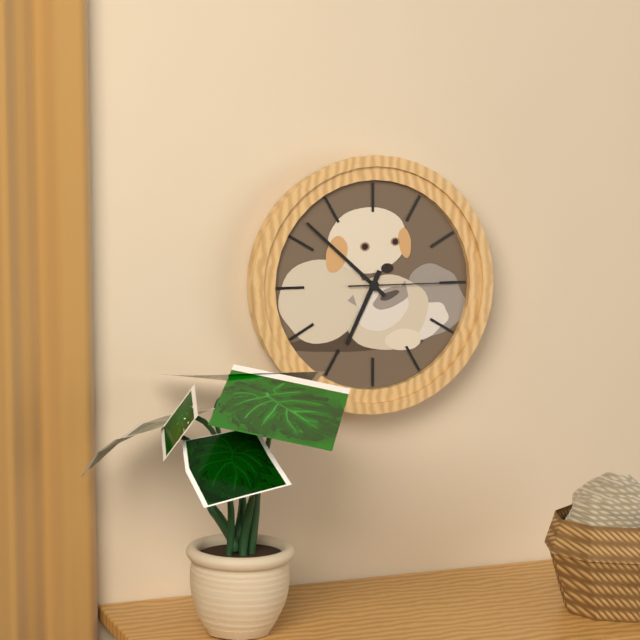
6:52:15
